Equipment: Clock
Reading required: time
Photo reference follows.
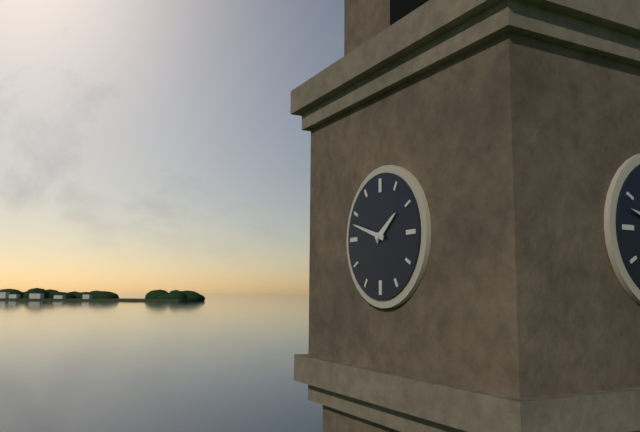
1:48
